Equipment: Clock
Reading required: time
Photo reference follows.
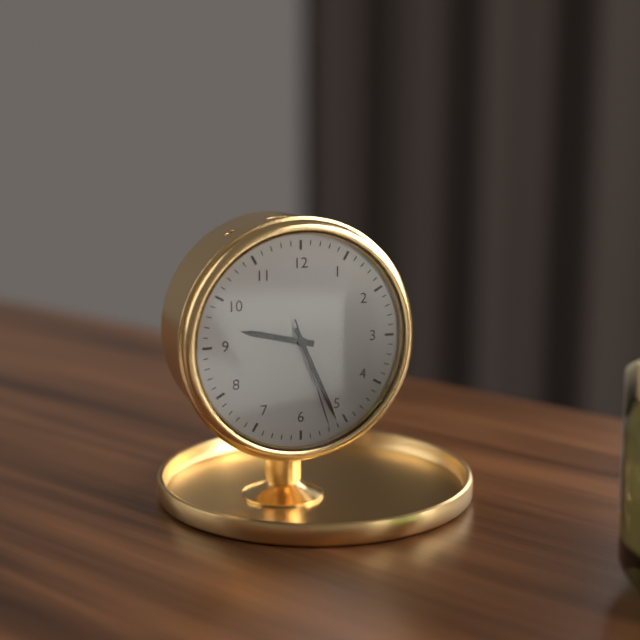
9:26:27
